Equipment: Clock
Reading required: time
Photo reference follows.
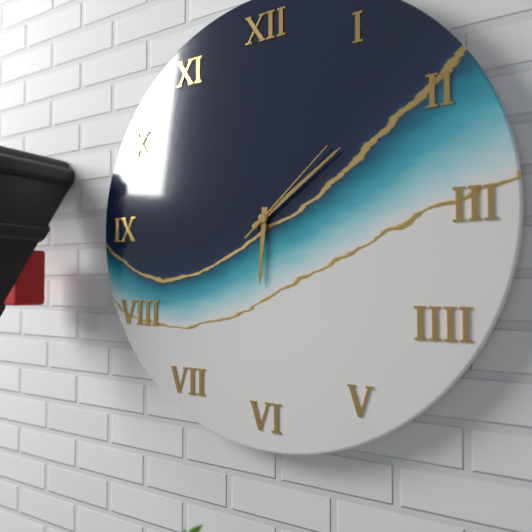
6:09:08
